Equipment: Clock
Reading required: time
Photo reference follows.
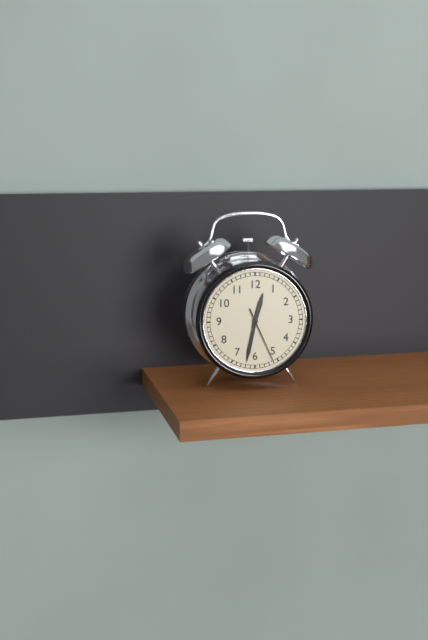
12:32:26
